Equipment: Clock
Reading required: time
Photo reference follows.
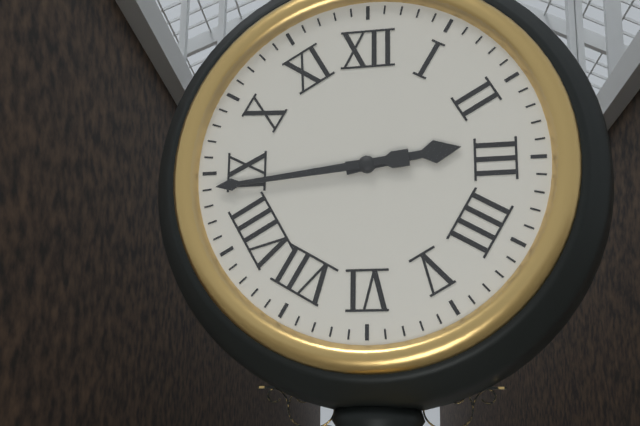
2:44
